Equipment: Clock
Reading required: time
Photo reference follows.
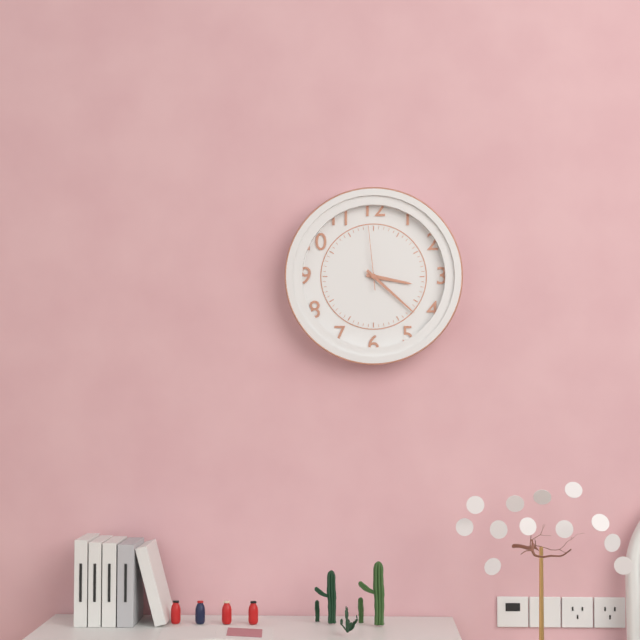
3:22:59
